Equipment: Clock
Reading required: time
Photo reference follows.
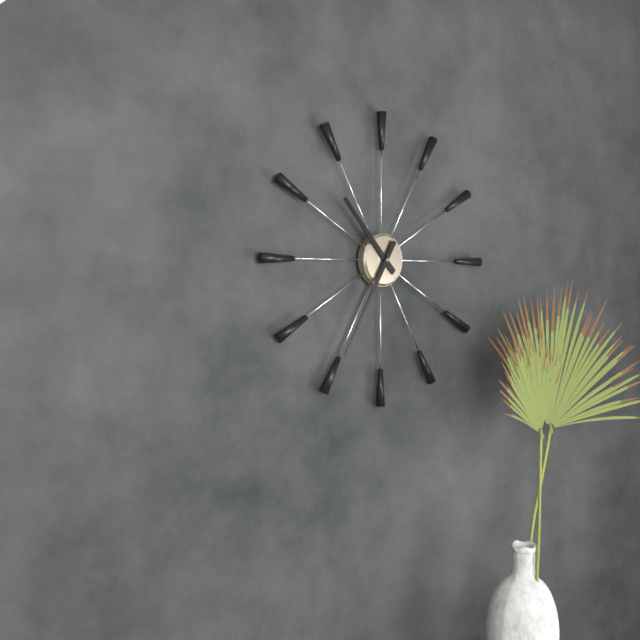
10:35
